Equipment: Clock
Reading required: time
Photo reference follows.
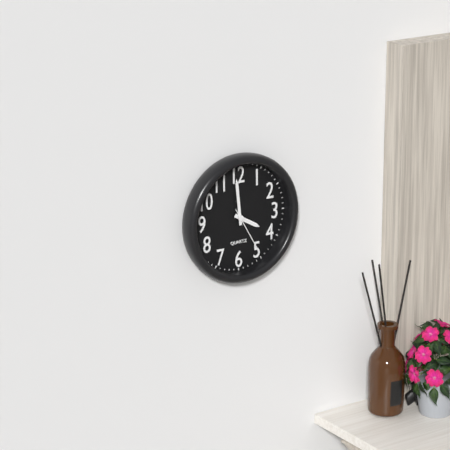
3:59
